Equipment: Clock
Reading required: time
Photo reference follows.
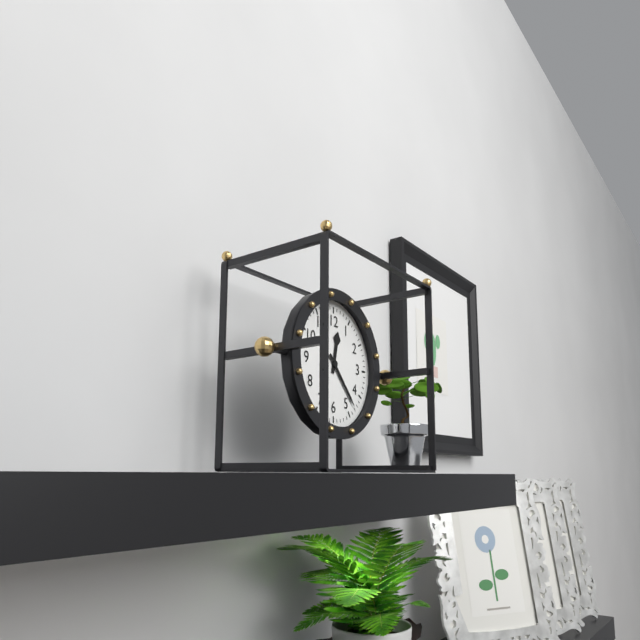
12:23
